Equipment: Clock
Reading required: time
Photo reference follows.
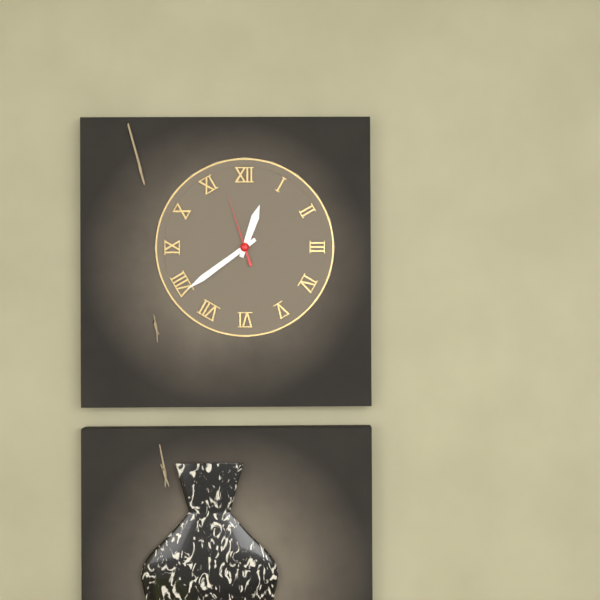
12:39:57
